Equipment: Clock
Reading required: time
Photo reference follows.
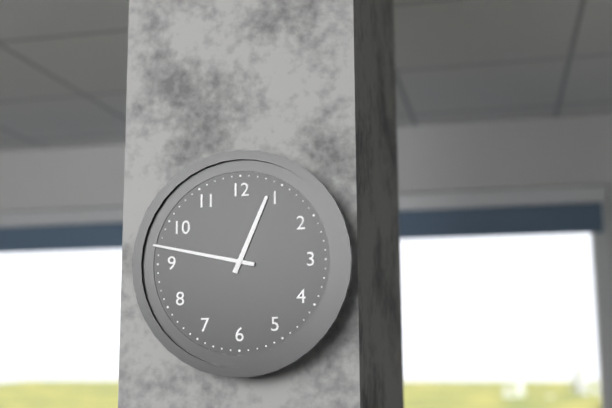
12:47
